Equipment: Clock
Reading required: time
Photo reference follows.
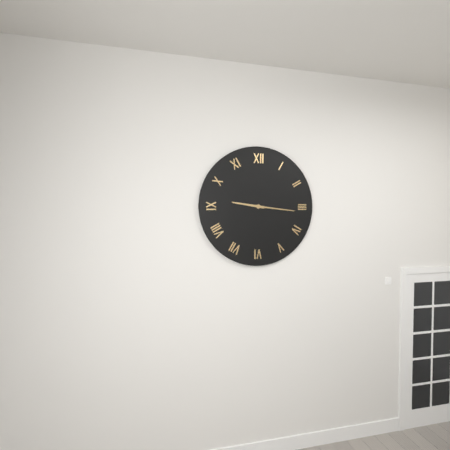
9:16
